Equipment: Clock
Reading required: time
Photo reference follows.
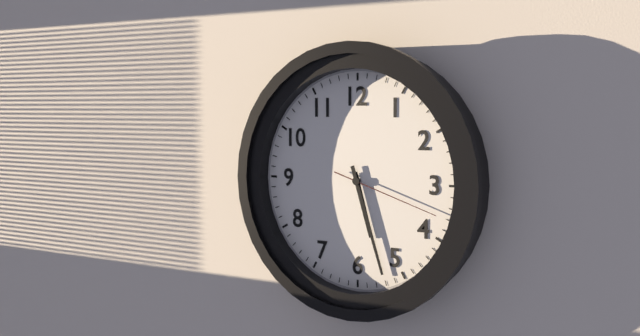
5:27:18
